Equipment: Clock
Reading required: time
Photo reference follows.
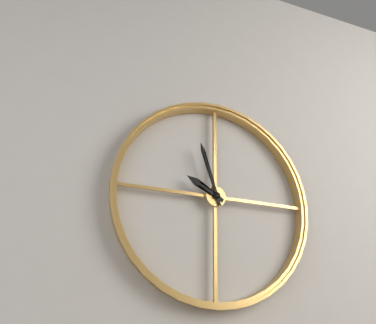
9:57
